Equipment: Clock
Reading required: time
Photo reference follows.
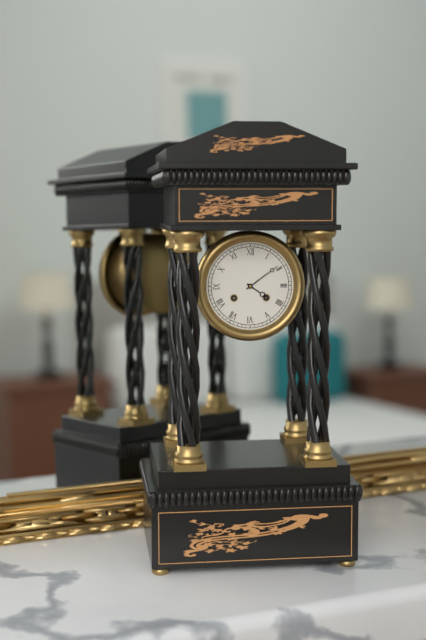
4:09
